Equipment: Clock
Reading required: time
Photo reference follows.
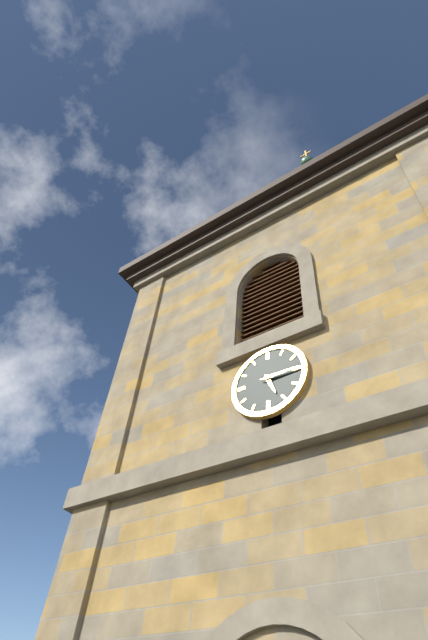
5:15
